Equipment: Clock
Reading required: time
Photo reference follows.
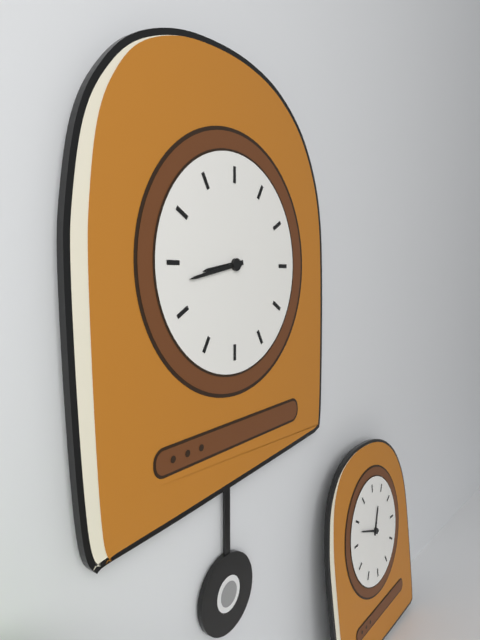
8:43
